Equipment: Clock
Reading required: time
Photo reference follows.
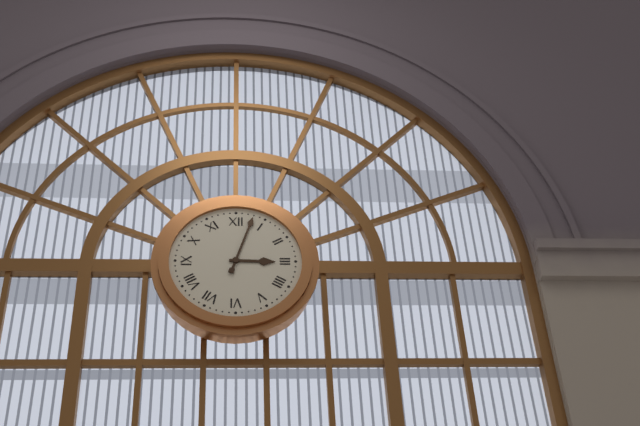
3:03
